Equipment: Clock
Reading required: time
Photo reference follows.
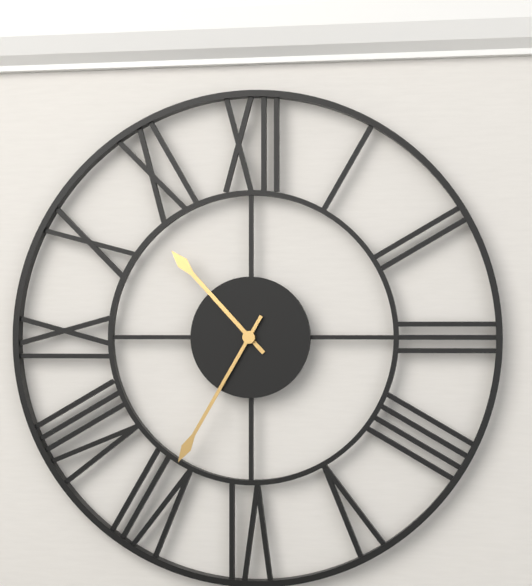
10:35
